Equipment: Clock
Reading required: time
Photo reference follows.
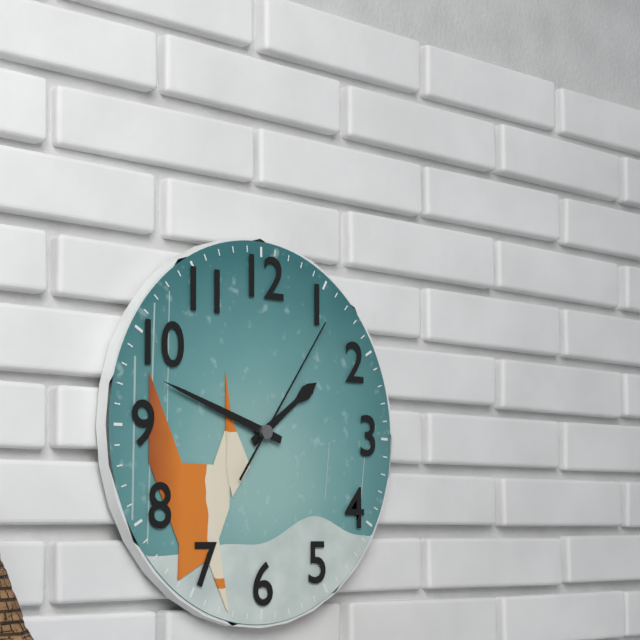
1:48:06
